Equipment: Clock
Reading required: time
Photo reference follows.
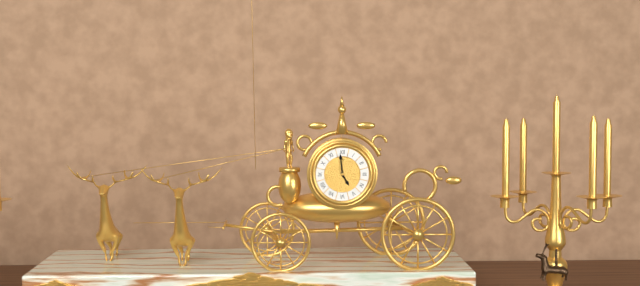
4:59
